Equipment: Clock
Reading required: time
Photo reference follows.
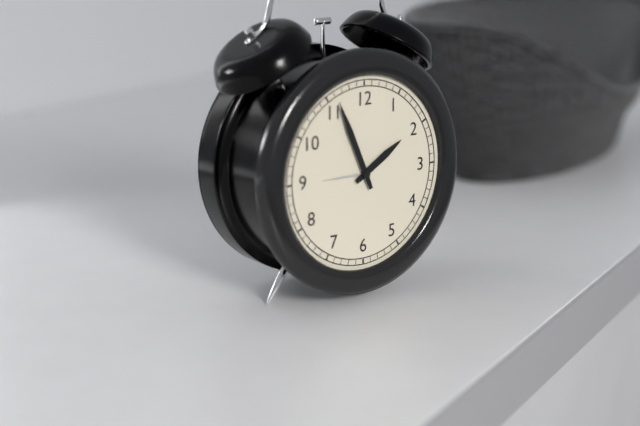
1:56
